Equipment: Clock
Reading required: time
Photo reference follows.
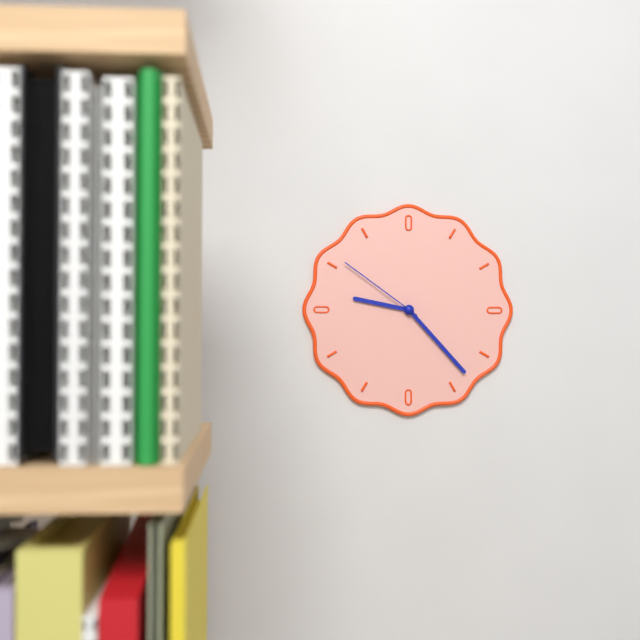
9:23:51
